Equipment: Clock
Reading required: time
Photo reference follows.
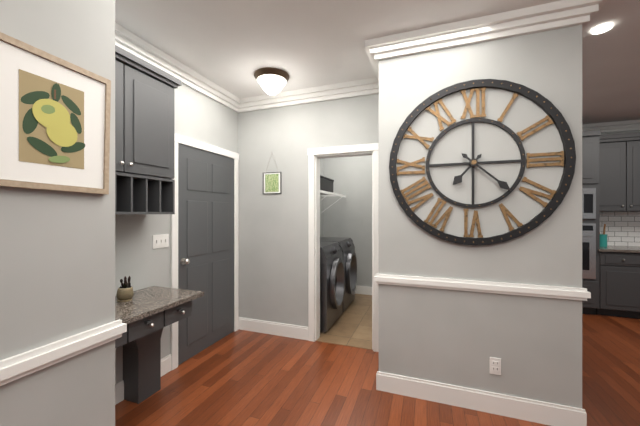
7:22
